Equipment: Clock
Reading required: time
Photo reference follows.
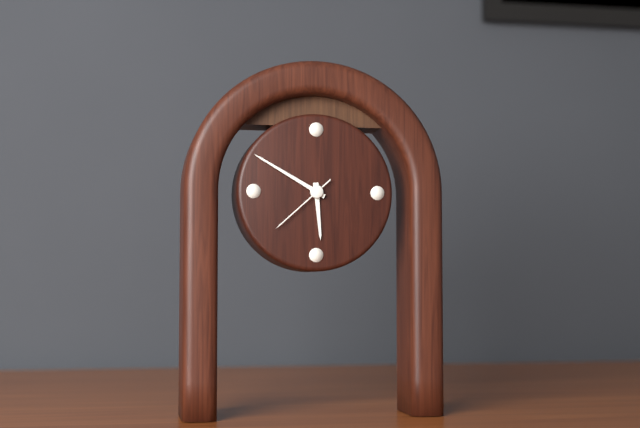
5:50:38
